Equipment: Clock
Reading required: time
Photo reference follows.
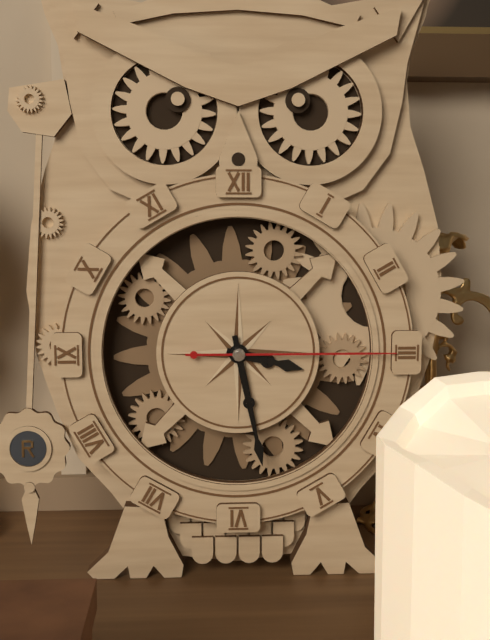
3:28:15
